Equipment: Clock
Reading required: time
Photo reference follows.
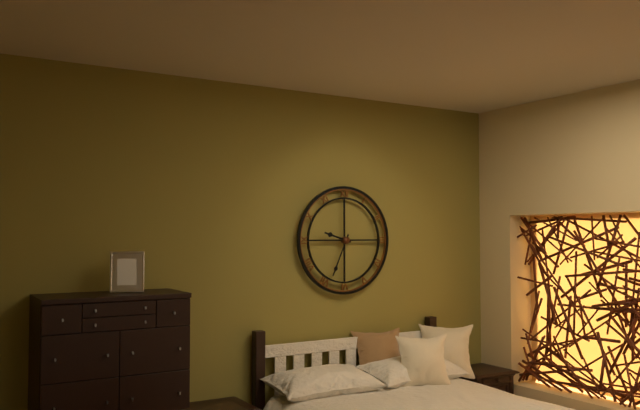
9:34
